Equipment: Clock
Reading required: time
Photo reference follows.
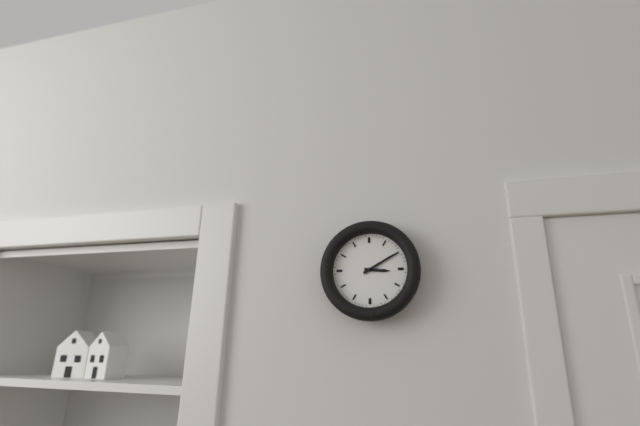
3:10
